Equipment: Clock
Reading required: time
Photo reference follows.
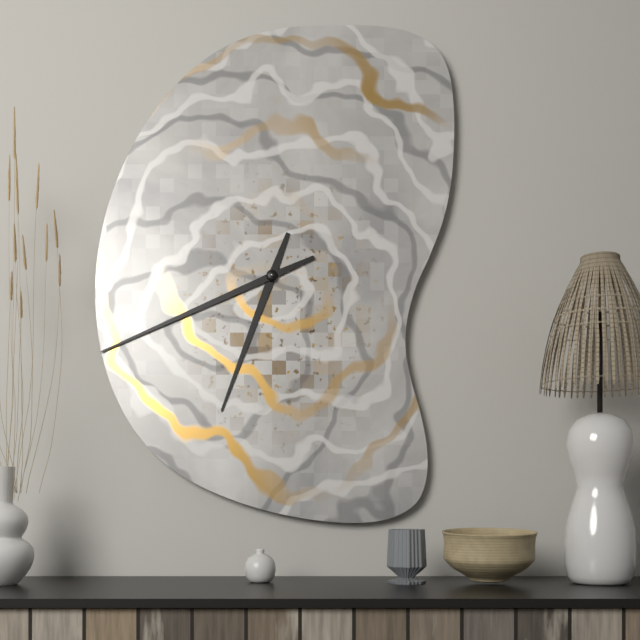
6:41
